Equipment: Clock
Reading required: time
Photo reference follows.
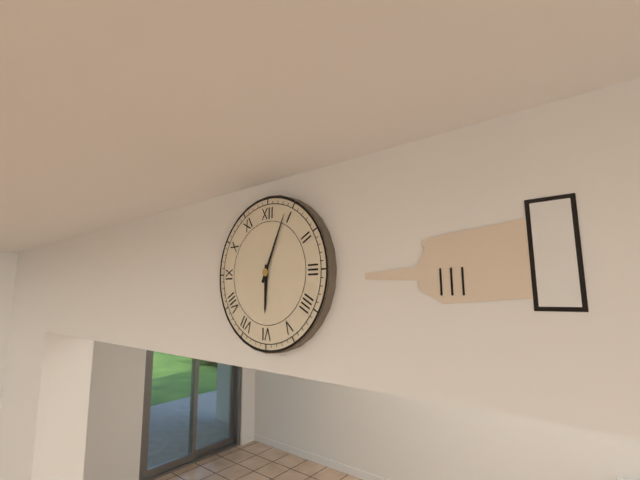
6:04
